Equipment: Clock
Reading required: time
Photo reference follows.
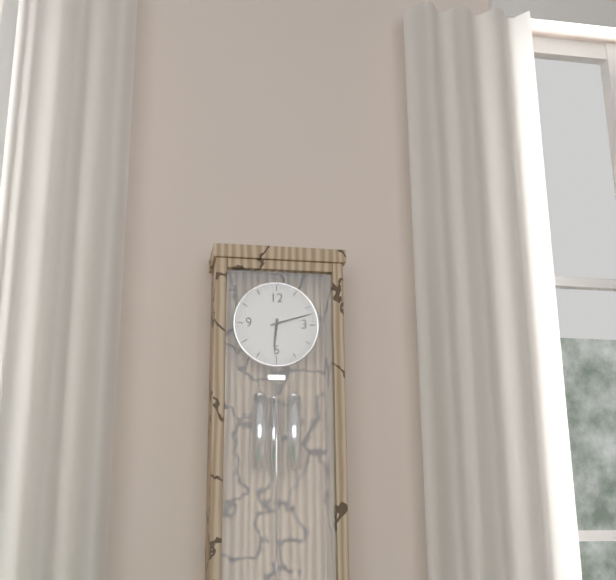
6:12
